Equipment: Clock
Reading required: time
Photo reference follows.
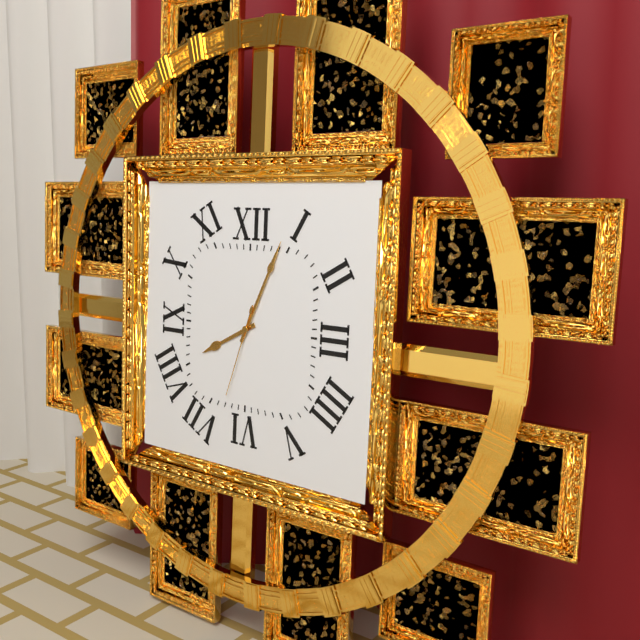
8:04:33
